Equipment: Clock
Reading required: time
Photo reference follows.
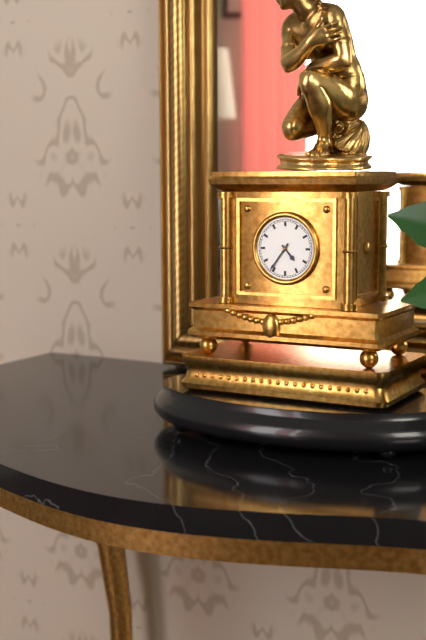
4:36
